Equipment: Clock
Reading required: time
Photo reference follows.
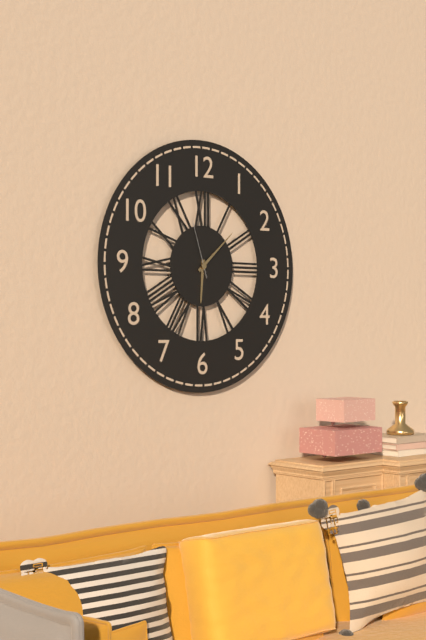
6:08:57
